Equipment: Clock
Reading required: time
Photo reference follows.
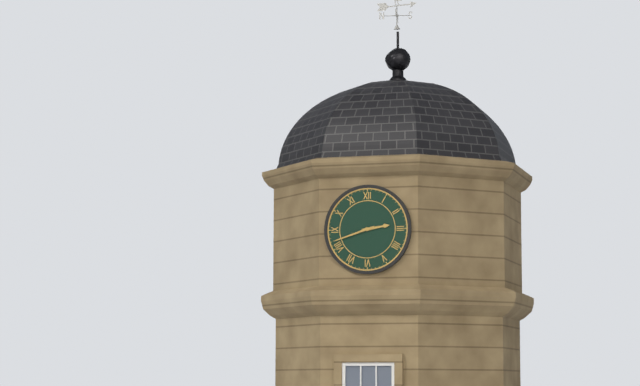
2:42
